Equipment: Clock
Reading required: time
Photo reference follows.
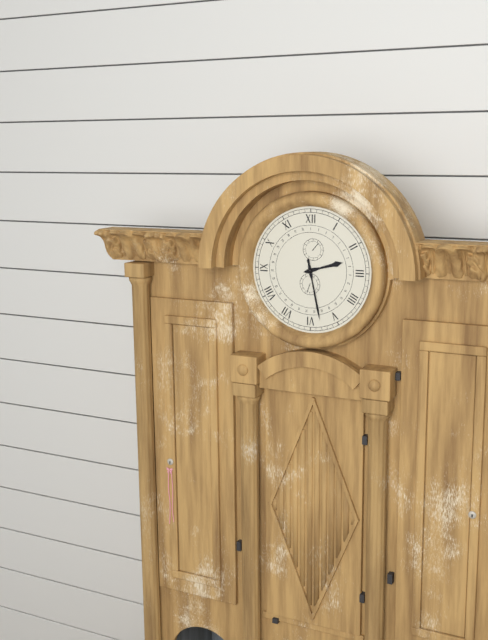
2:28
